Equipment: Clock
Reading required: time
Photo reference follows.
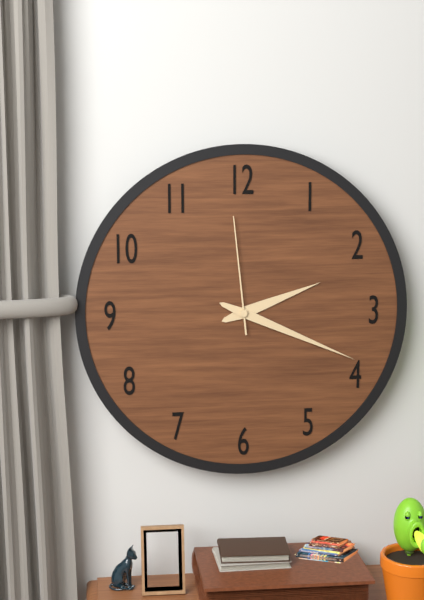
2:19:59
